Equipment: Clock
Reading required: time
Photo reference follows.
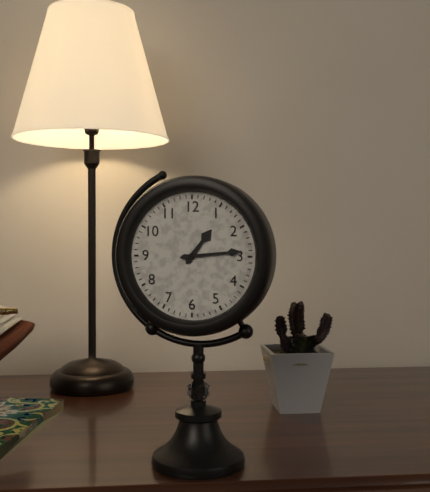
1:14
